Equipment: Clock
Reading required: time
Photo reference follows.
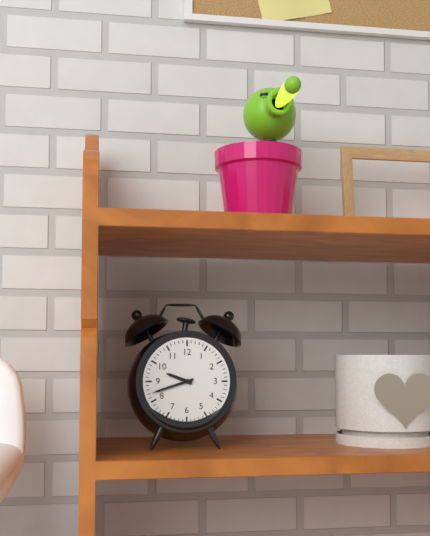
9:42
